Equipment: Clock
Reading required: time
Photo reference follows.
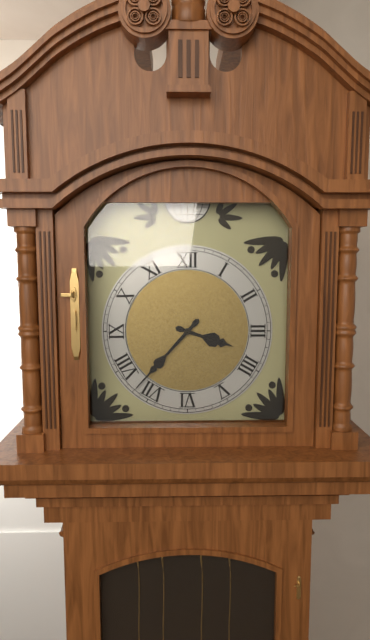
3:37
